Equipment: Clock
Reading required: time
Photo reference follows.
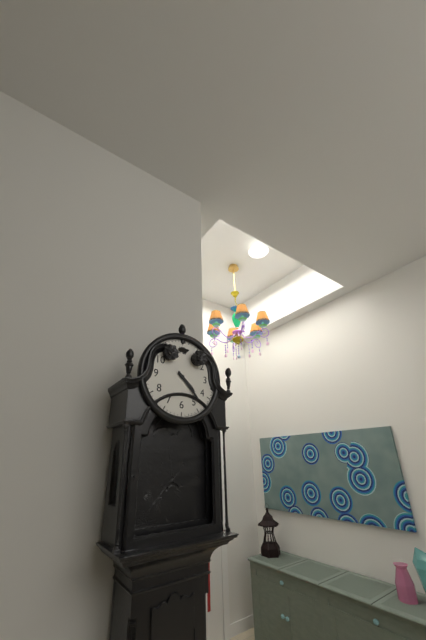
4:23
